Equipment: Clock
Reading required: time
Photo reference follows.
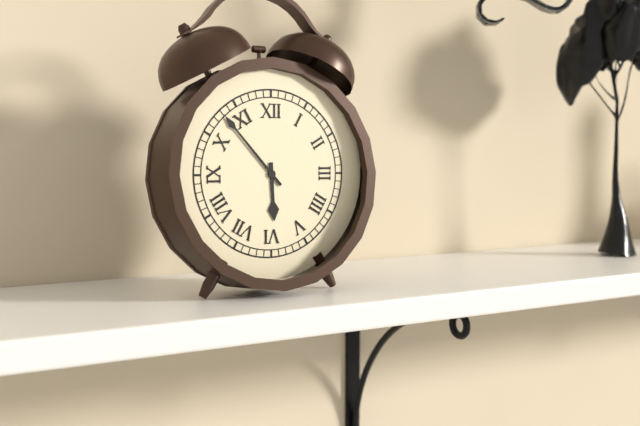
5:53
